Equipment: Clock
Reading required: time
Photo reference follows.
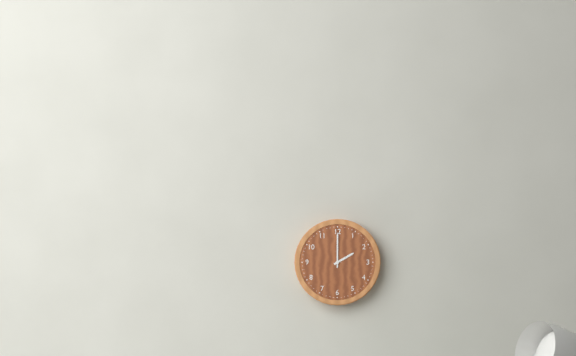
2:00
